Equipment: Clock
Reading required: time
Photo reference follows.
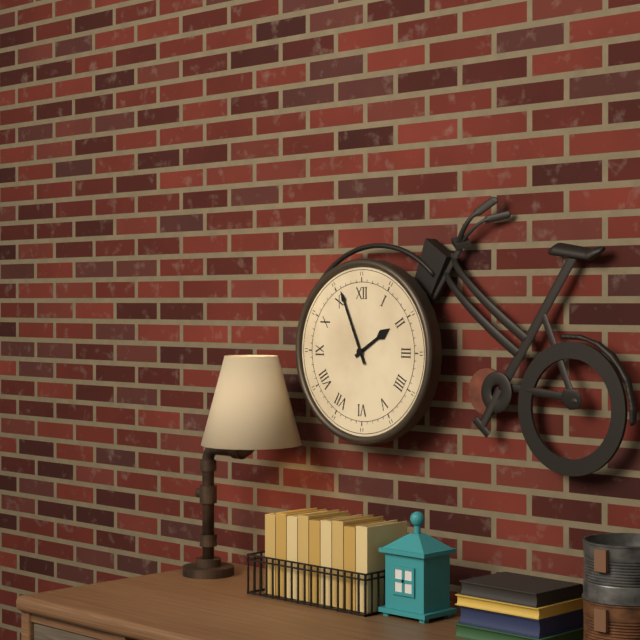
1:56
